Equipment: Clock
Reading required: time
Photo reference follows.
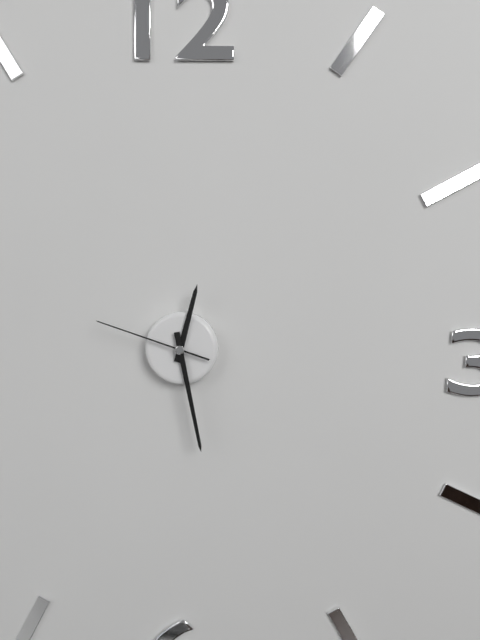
12:28:48
